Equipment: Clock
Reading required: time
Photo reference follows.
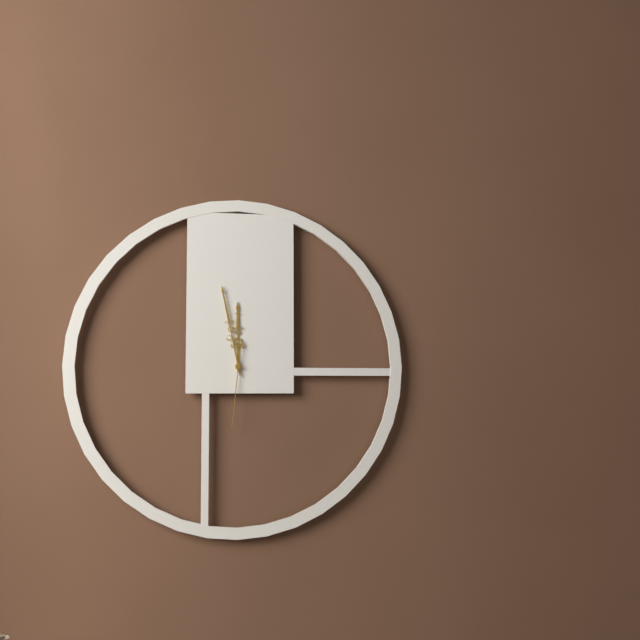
11:58:31
